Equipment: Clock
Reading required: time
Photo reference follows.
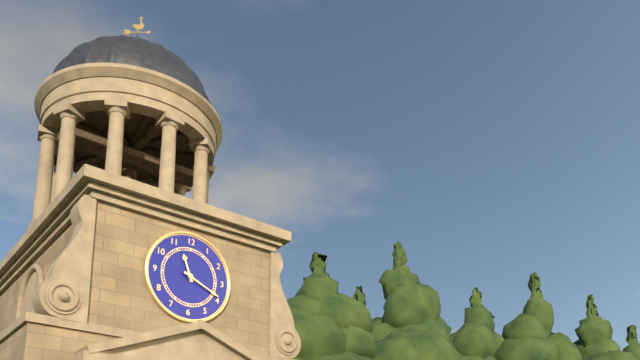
11:19
